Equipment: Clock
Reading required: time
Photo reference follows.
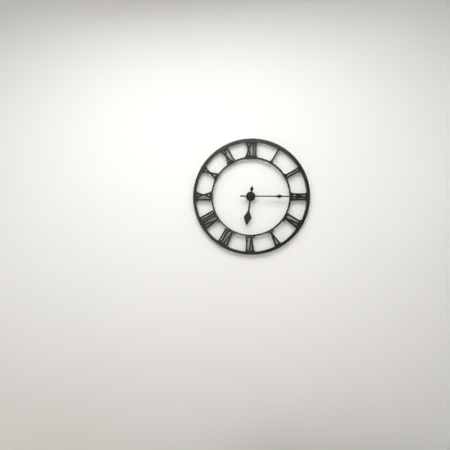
6:15
